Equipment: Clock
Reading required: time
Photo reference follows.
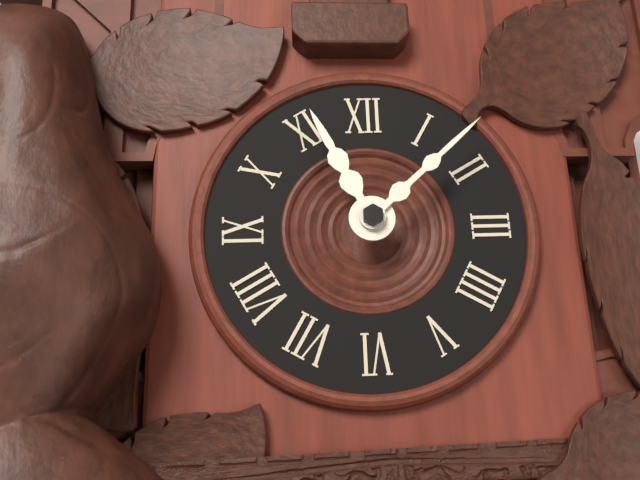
11:08
